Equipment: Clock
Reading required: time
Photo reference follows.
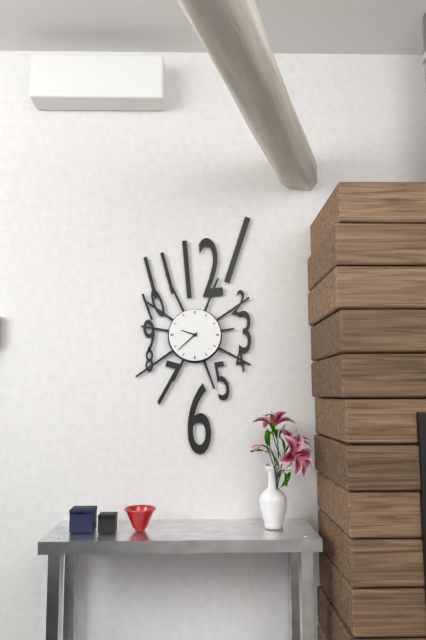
9:38
